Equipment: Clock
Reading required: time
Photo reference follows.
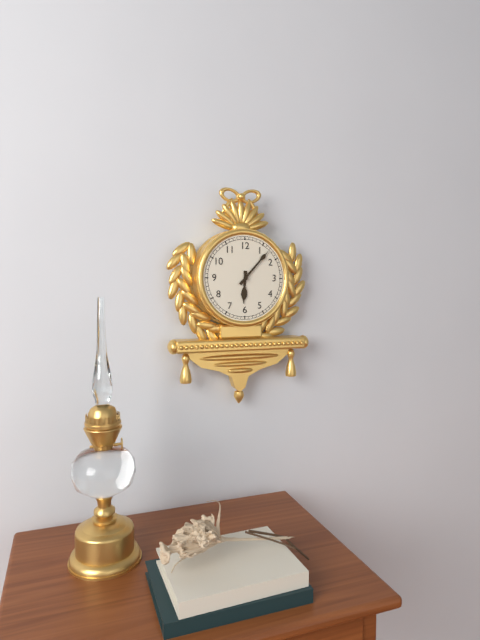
6:07
